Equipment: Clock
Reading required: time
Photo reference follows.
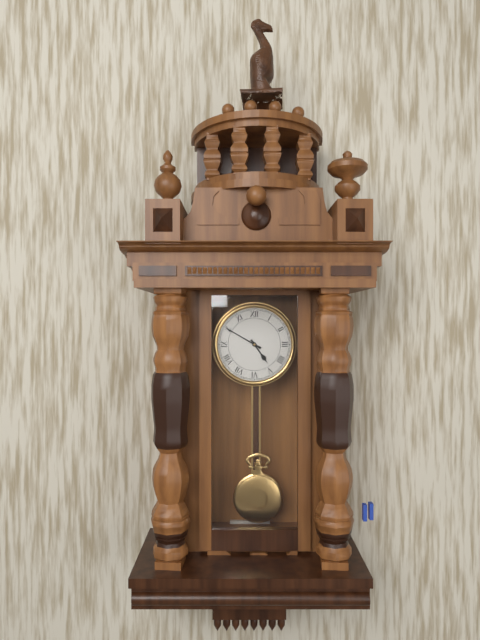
4:50
